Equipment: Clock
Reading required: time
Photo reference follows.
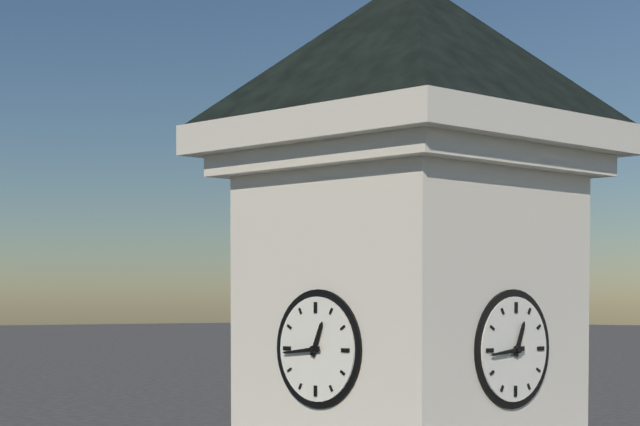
12:44
